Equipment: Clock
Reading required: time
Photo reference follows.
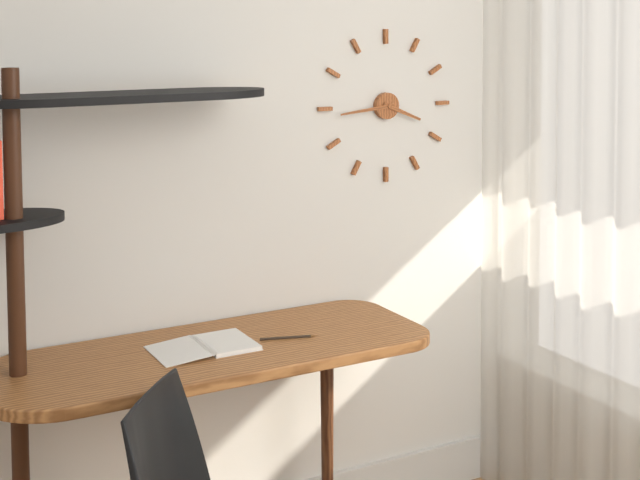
3:44
